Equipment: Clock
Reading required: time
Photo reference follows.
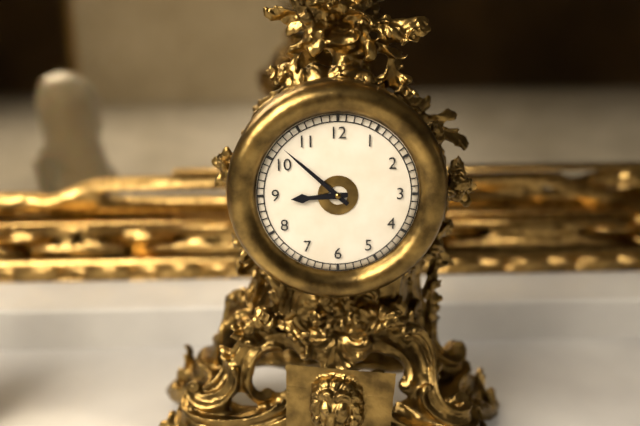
8:52
